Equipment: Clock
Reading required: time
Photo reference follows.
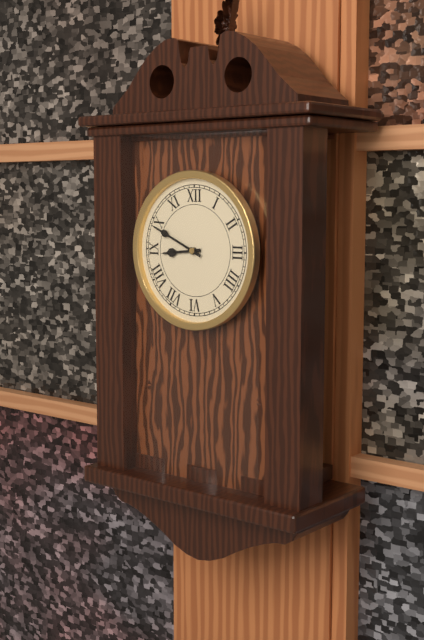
8:49
